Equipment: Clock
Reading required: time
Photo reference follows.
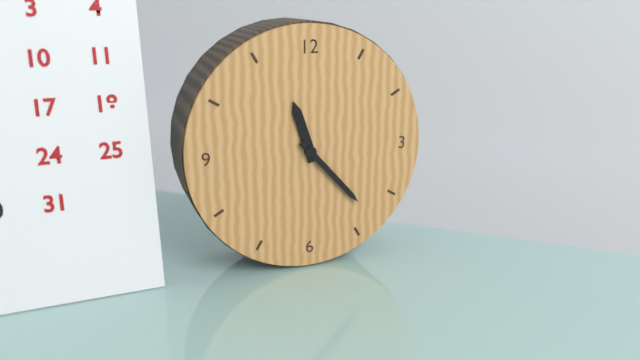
11:23
